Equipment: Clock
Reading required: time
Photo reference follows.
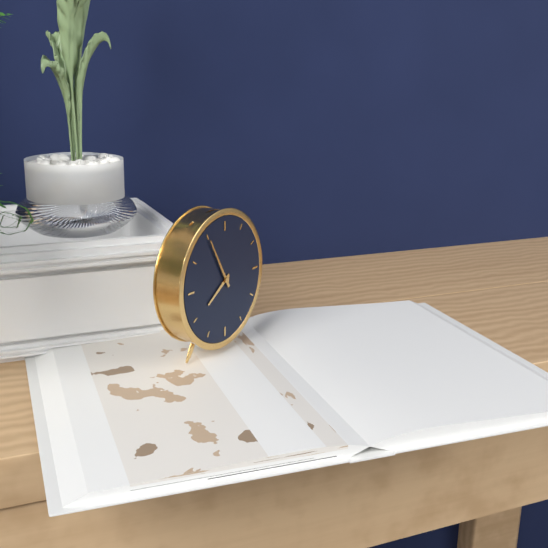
7:55
